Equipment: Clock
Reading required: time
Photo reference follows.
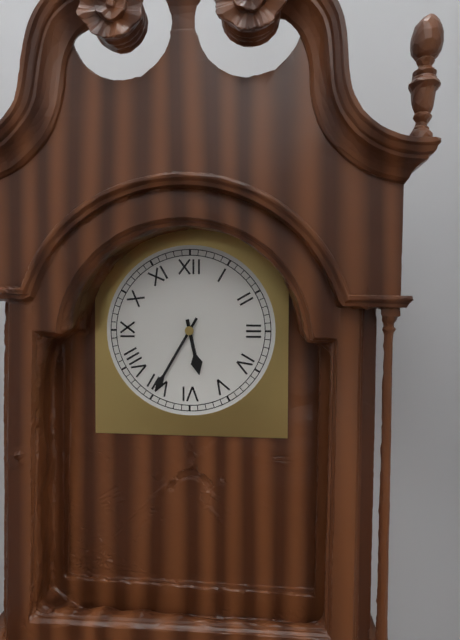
5:35
